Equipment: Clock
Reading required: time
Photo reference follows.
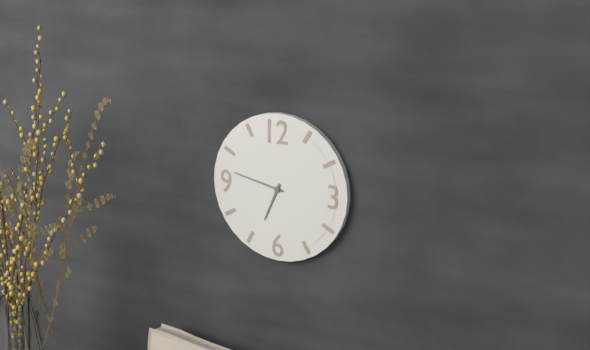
6:47
